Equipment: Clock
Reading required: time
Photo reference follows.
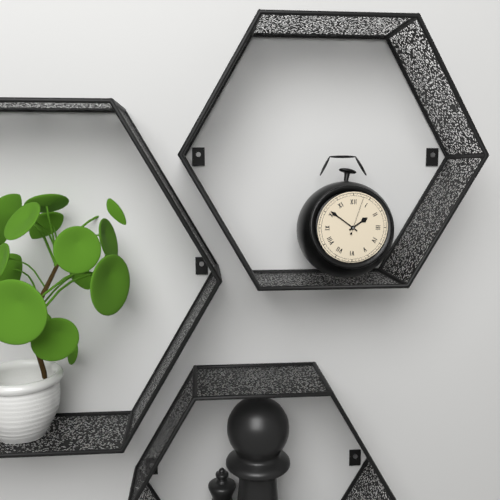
1:51
